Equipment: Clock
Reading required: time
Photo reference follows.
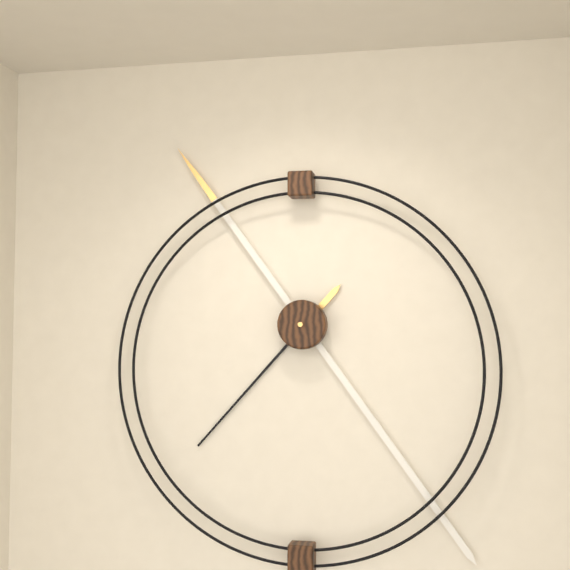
7:24
